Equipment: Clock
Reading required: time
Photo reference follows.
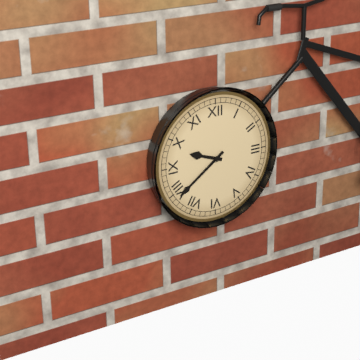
9:39
